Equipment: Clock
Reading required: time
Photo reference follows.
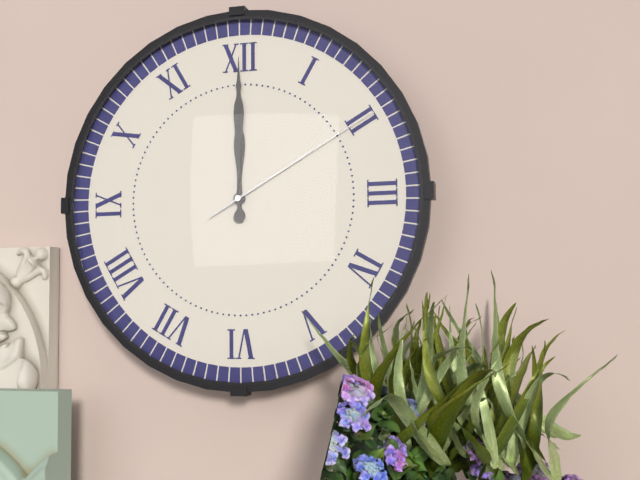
12:00:10
